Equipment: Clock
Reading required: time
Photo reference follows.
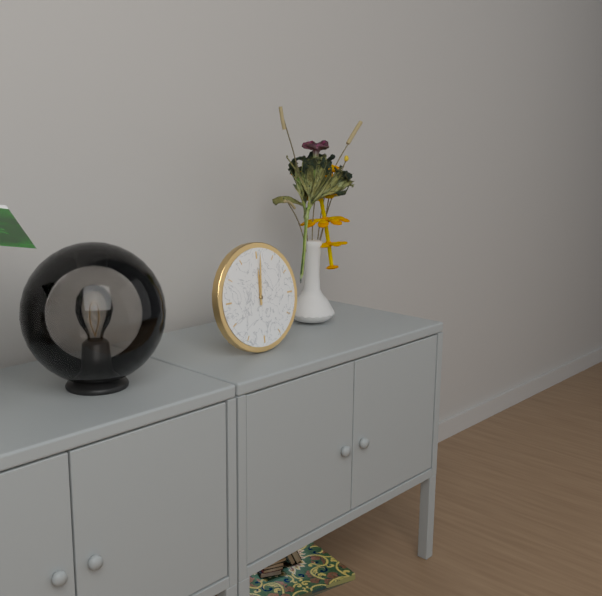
12:01
